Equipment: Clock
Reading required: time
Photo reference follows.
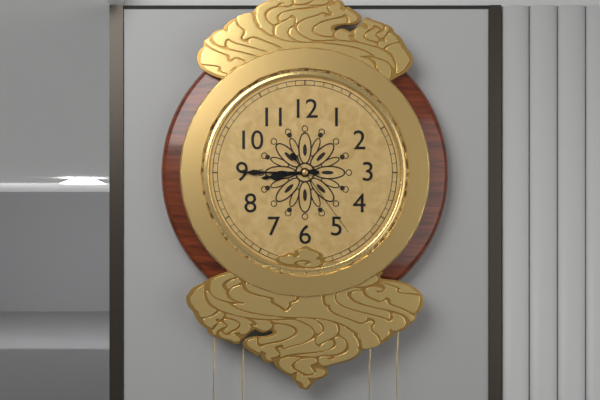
8:45:24
